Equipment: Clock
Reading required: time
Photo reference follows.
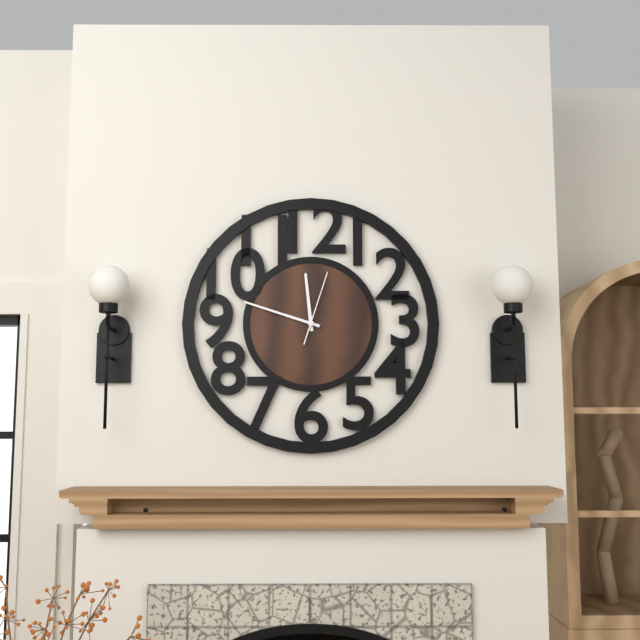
11:48:03
